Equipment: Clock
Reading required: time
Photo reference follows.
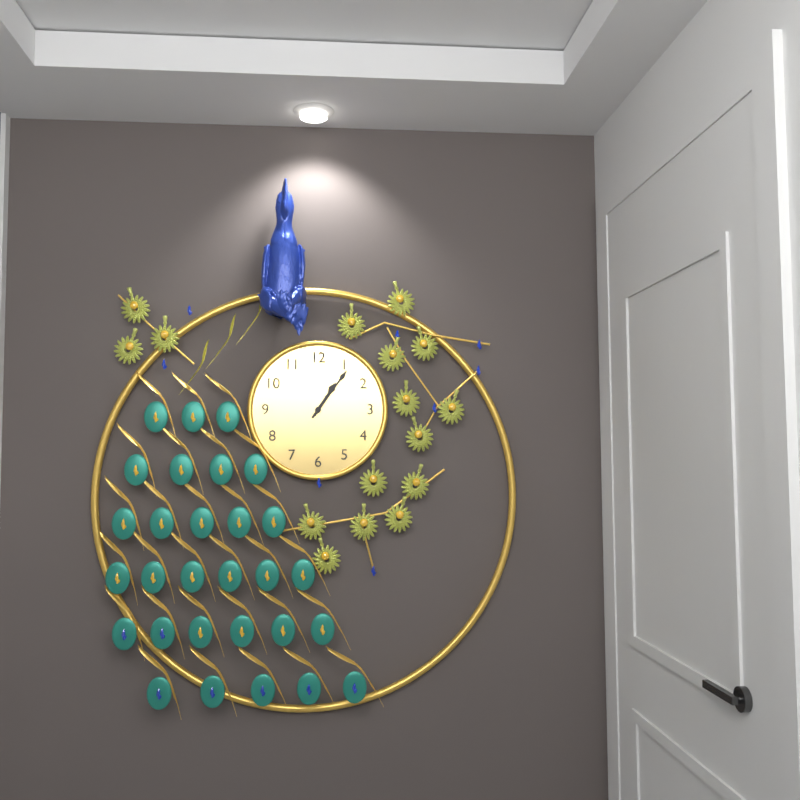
1:06
